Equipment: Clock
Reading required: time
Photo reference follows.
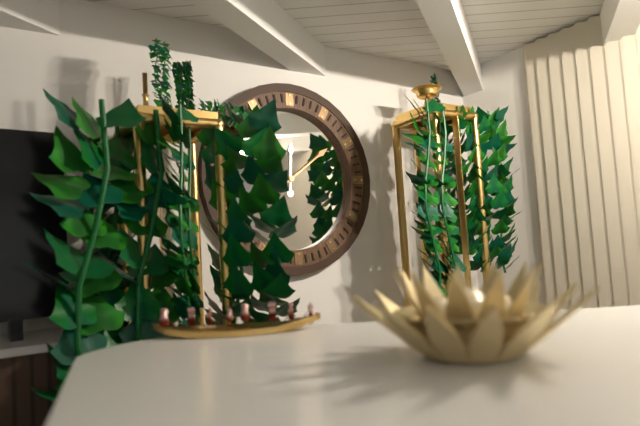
12:09
